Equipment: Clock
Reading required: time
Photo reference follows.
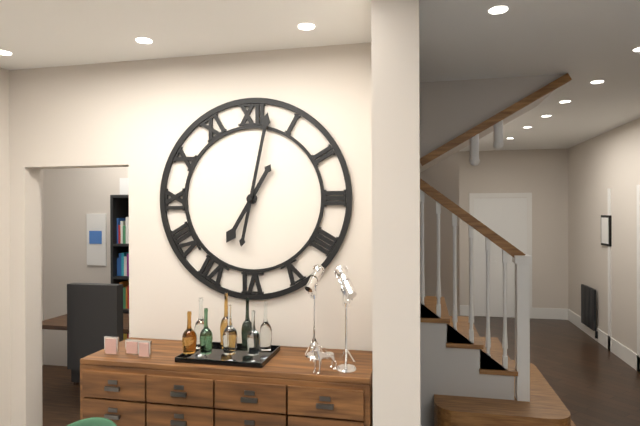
7:02
